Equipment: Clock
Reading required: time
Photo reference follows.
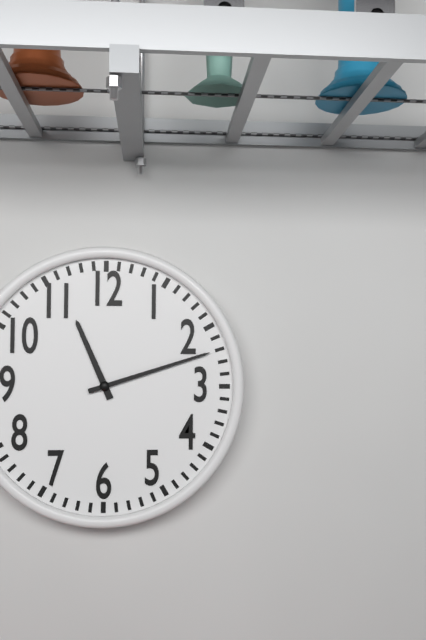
11:12
